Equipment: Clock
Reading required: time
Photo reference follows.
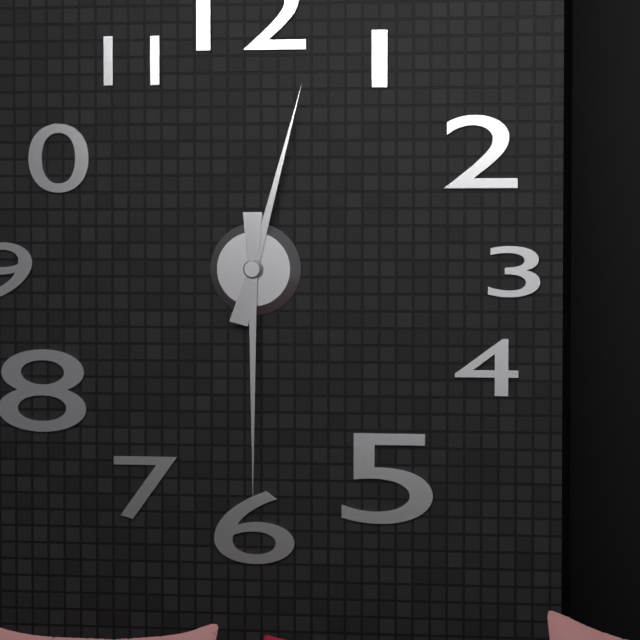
12:30
